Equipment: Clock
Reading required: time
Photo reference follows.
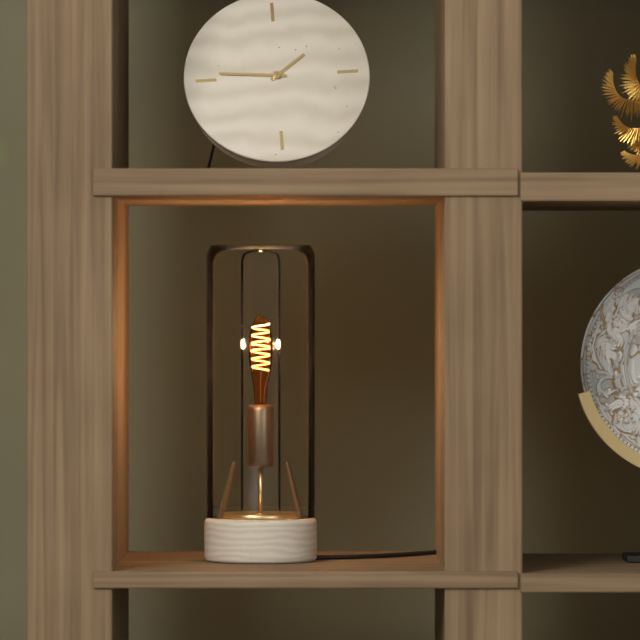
1:46
